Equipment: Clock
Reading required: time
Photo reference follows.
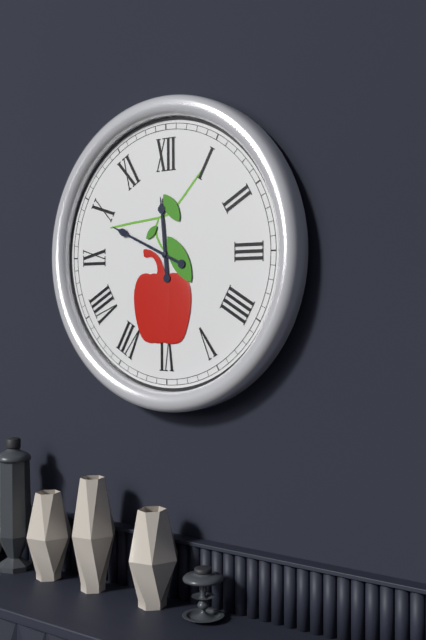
11:49
